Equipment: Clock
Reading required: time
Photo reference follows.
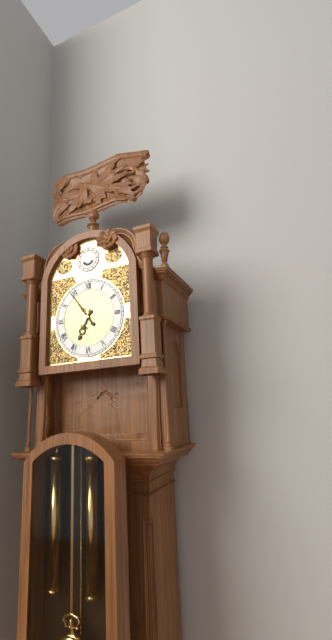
6:54
